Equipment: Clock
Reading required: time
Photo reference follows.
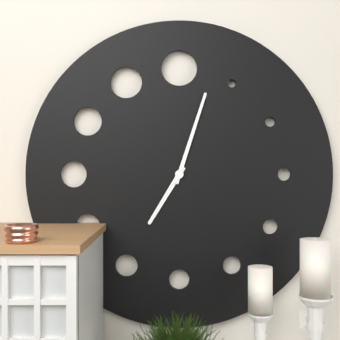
7:03
